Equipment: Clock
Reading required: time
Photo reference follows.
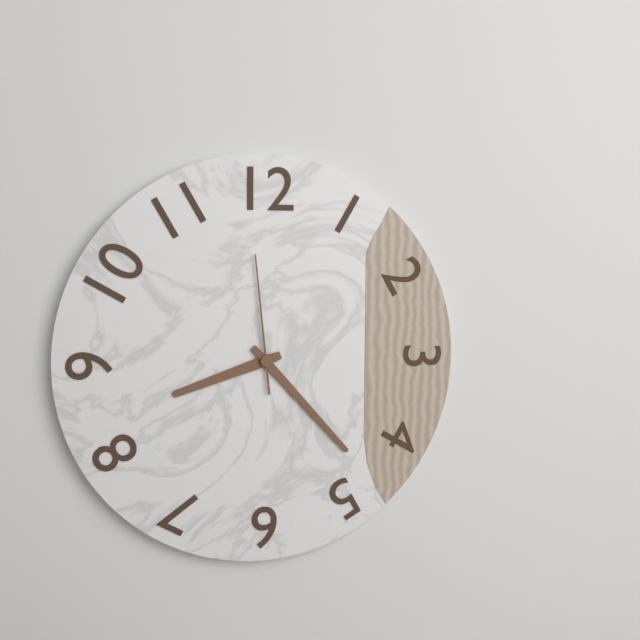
8:23:59
